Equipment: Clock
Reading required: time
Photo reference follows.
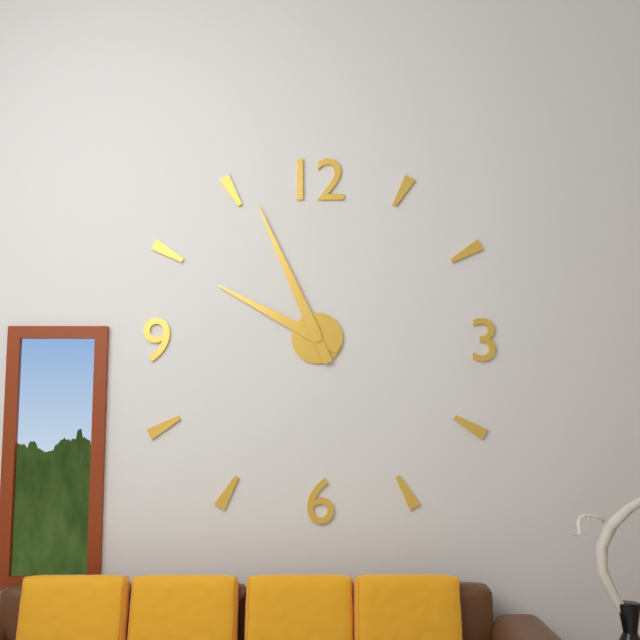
9:56
